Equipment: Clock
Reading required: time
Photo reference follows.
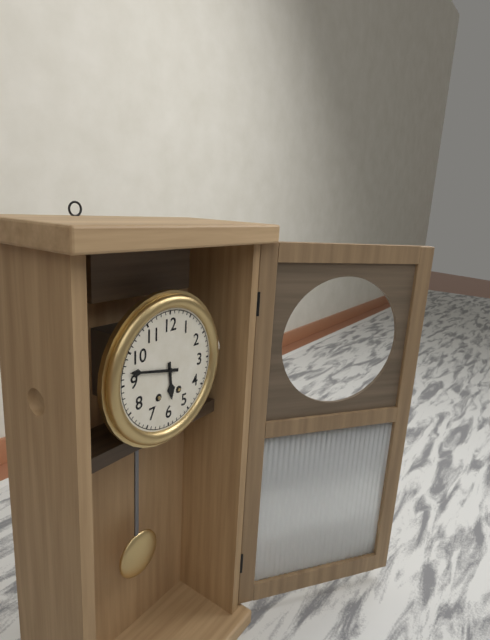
5:47
